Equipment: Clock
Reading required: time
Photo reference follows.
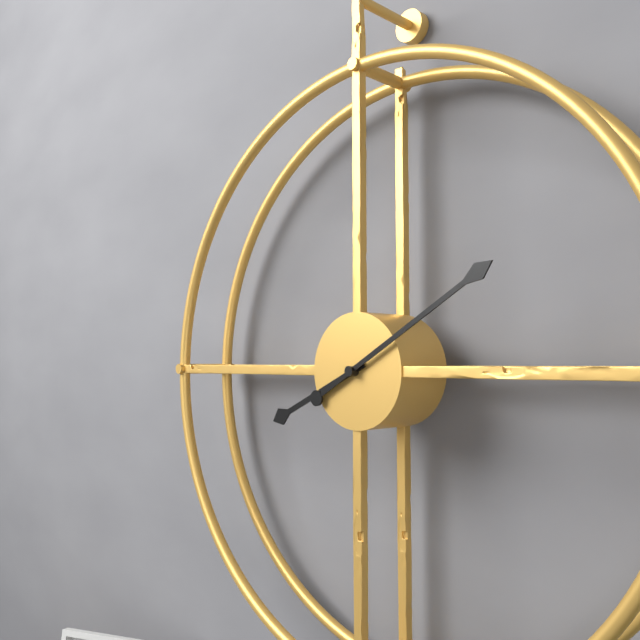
8:10
